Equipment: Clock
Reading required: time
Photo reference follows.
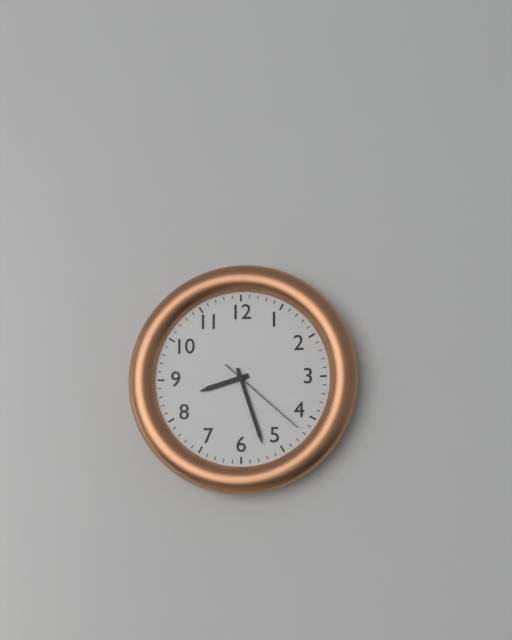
8:27:22
